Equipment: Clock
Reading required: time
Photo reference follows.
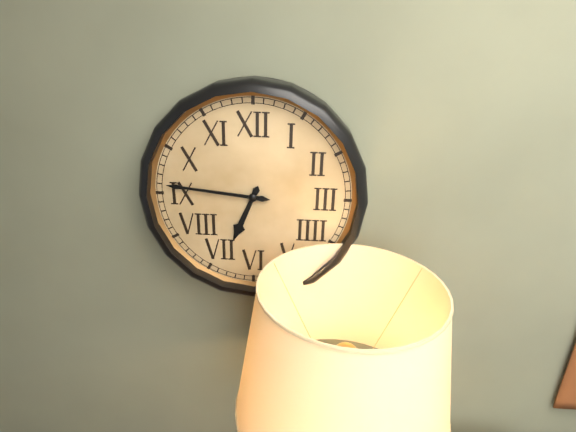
6:46
